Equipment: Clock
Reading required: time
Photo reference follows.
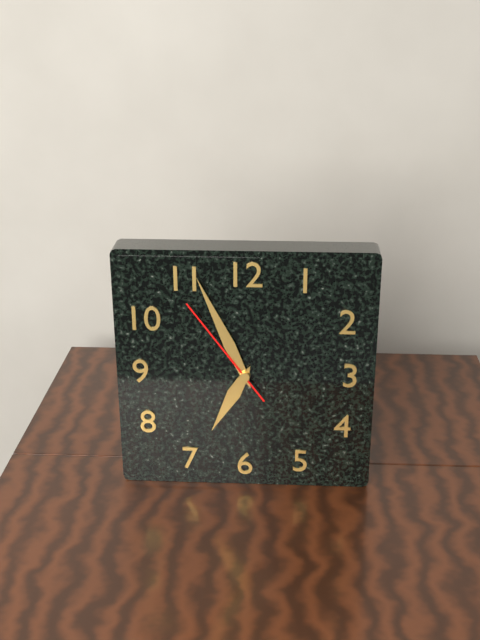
6:56:54
